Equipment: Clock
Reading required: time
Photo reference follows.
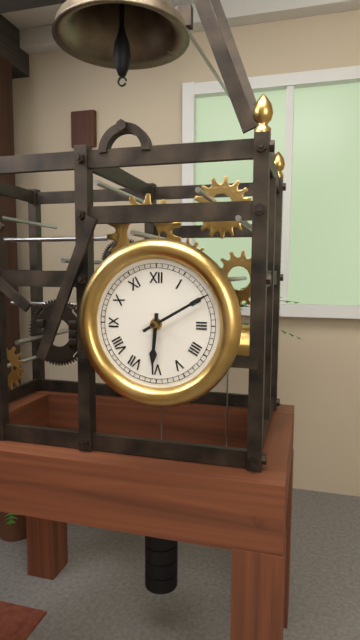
6:10
